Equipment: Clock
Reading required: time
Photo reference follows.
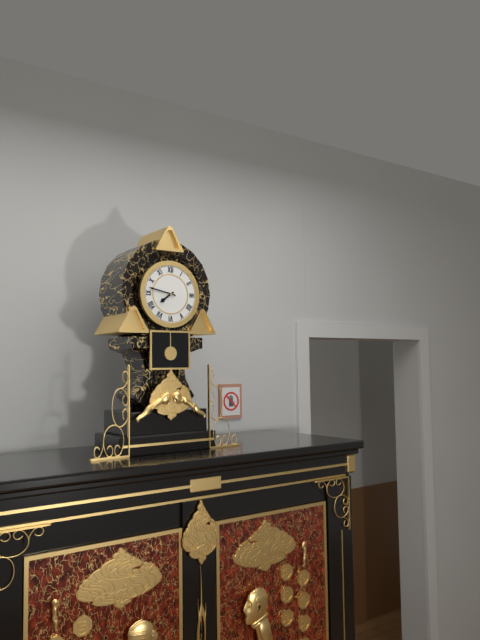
7:47
